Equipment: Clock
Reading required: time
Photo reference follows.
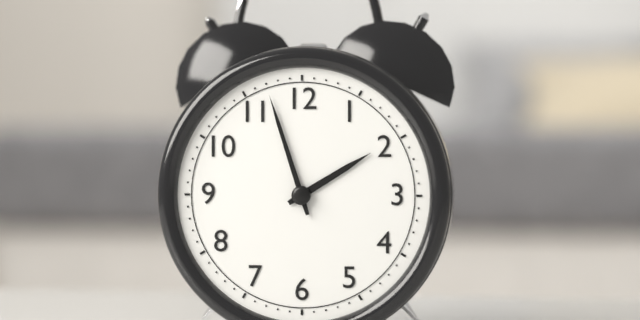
1:57
